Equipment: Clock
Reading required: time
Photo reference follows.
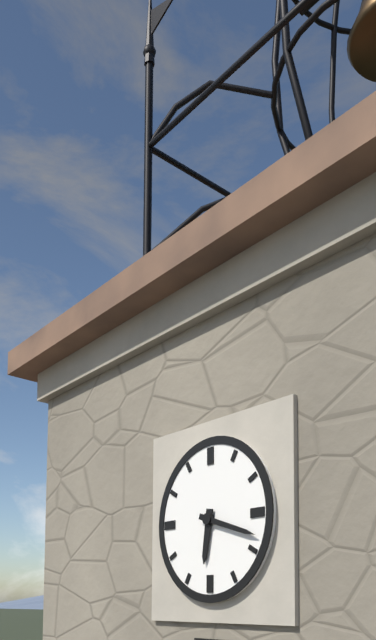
6:18
